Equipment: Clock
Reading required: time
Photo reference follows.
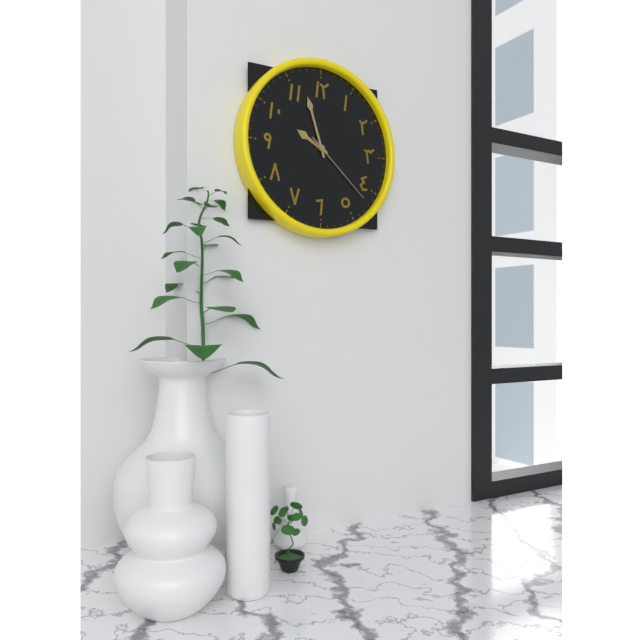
9:57:22
